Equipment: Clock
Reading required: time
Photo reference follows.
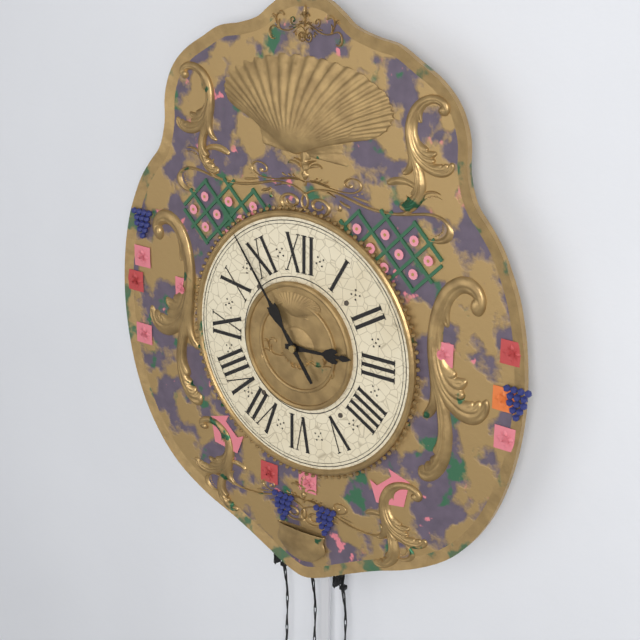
2:54
